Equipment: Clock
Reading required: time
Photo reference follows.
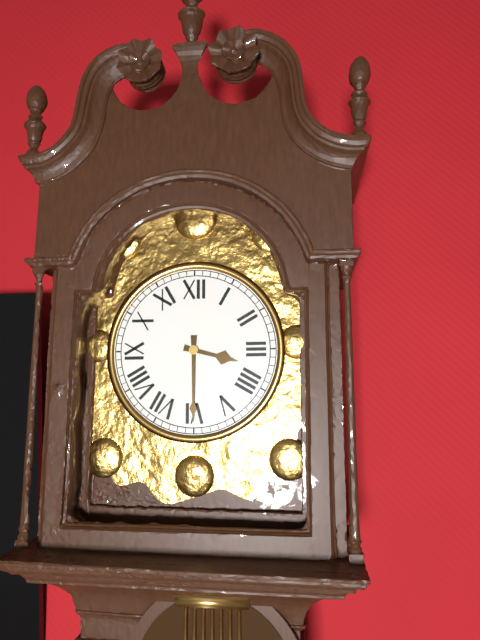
3:30
